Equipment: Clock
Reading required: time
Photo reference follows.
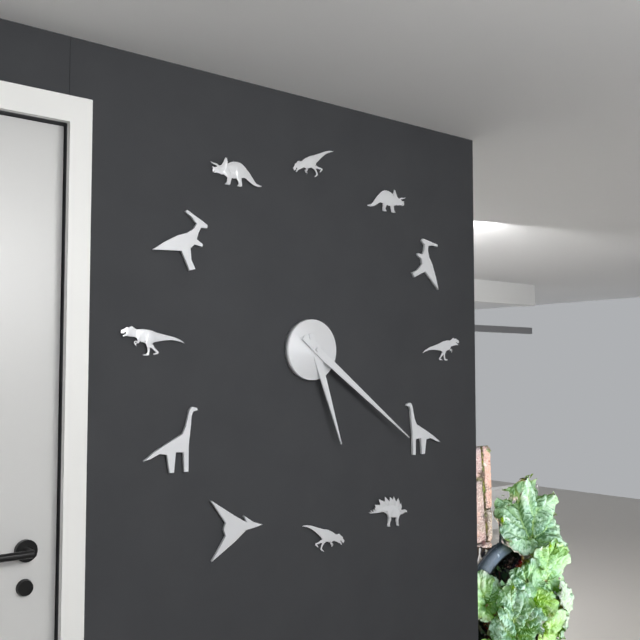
5:21
